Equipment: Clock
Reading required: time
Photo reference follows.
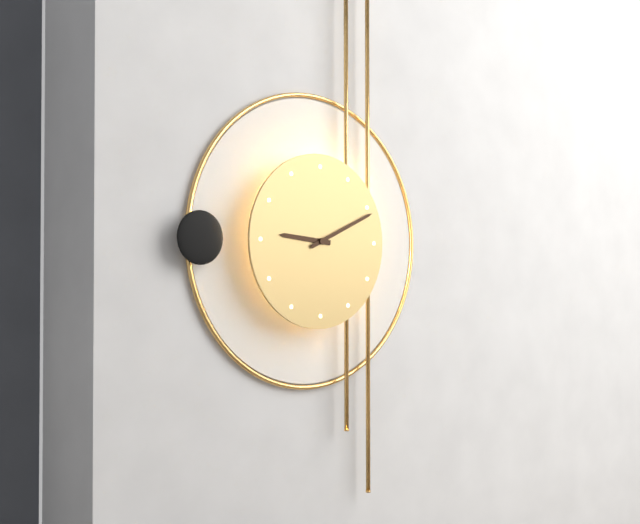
9:11
